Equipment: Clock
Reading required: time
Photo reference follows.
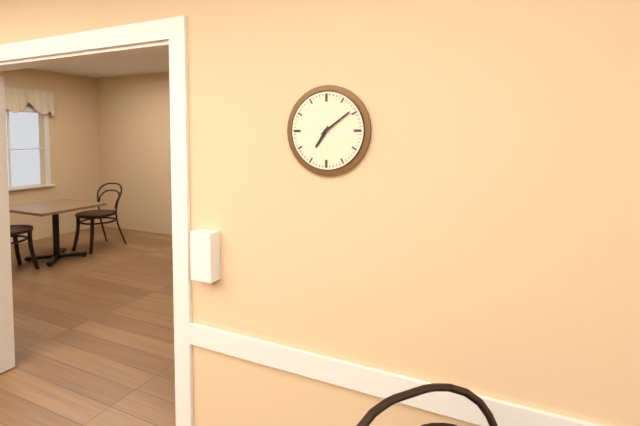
7:09
